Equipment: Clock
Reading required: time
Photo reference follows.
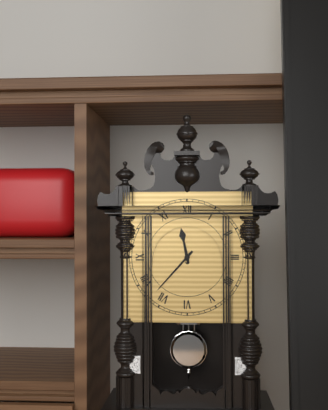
11:37
